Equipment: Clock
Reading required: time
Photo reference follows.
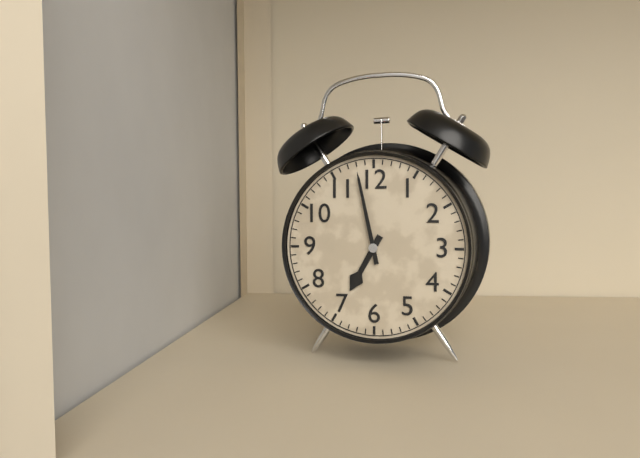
6:58
